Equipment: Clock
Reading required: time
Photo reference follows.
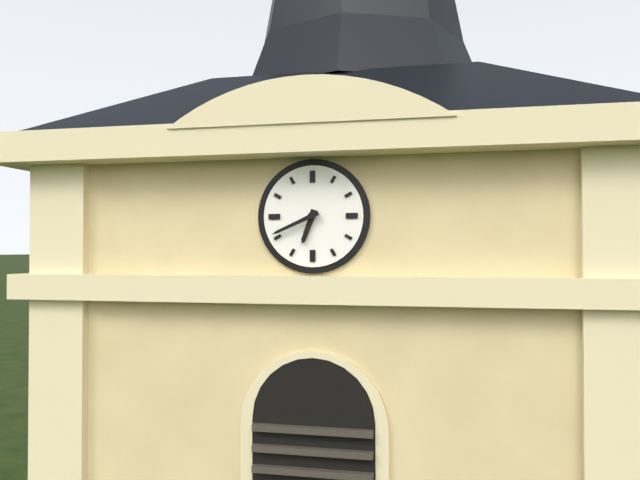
6:41
